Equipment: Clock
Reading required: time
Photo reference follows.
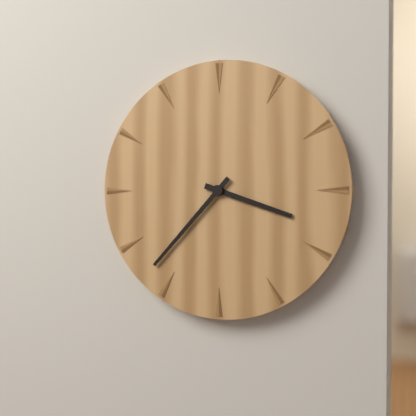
3:37
